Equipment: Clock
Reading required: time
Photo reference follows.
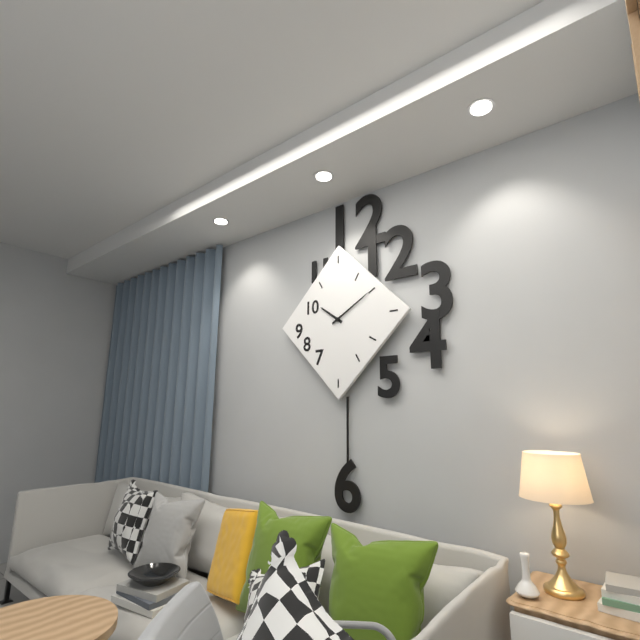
10:10
